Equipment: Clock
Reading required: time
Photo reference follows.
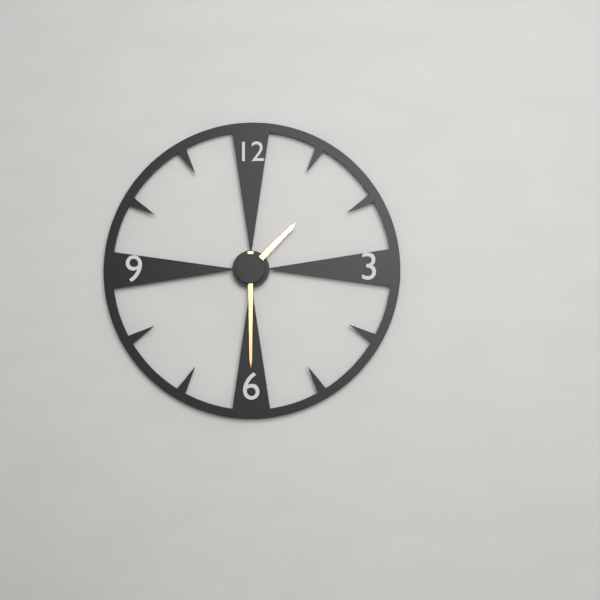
1:30
